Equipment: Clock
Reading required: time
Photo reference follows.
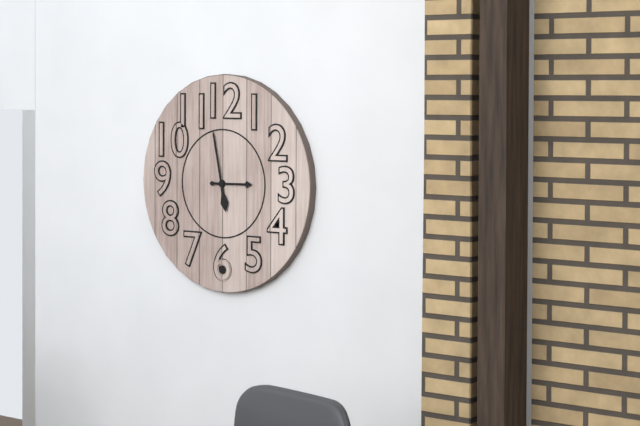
2:58
